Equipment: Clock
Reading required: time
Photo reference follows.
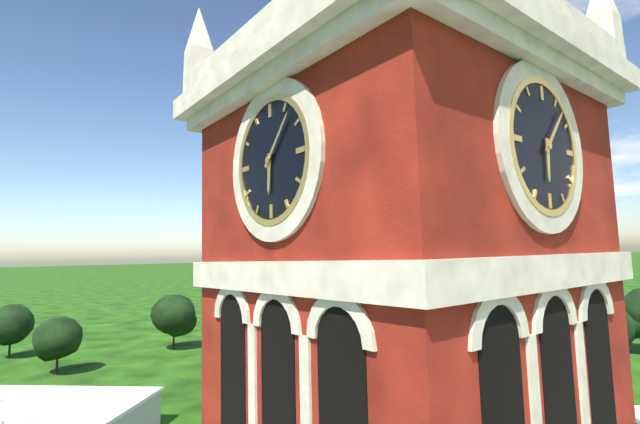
6:07
